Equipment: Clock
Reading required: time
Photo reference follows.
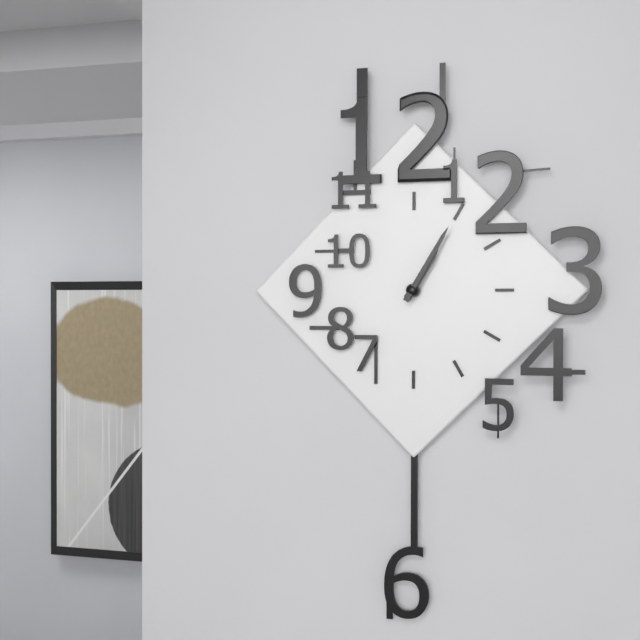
1:05
